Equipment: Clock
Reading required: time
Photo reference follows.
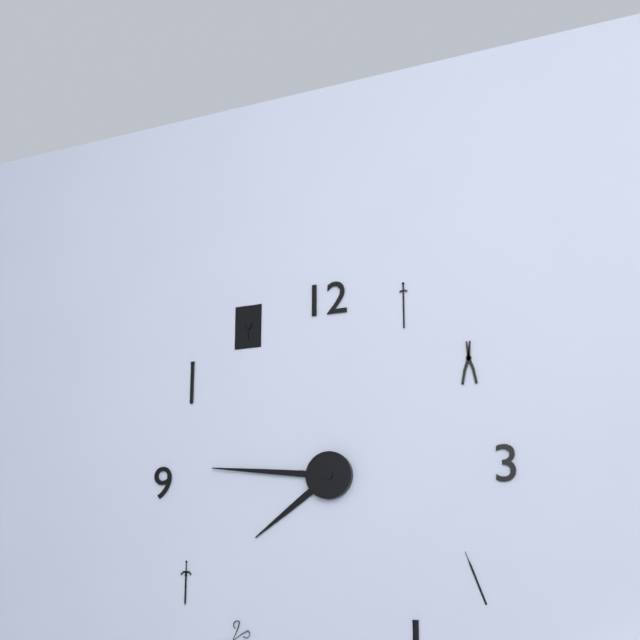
7:46
